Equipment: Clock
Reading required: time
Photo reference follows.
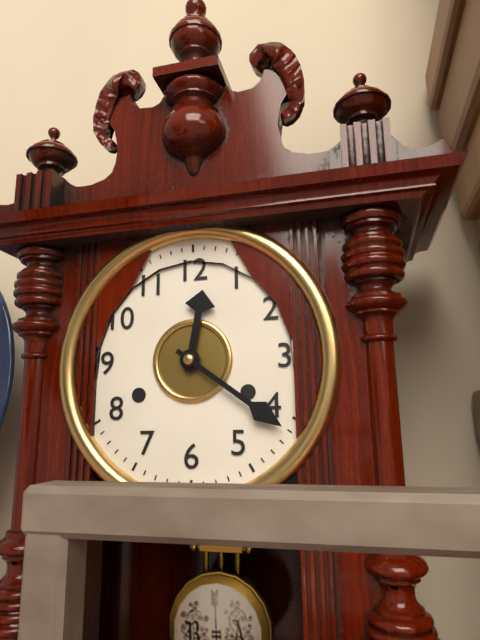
12:21
